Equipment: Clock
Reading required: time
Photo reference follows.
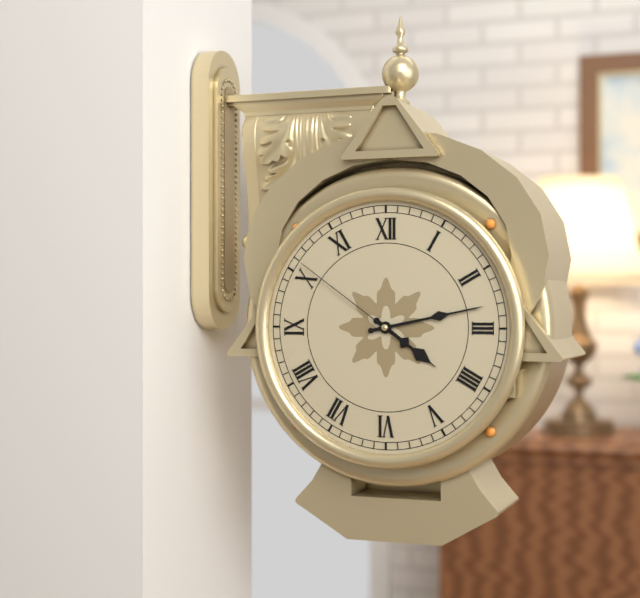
4:13:51
